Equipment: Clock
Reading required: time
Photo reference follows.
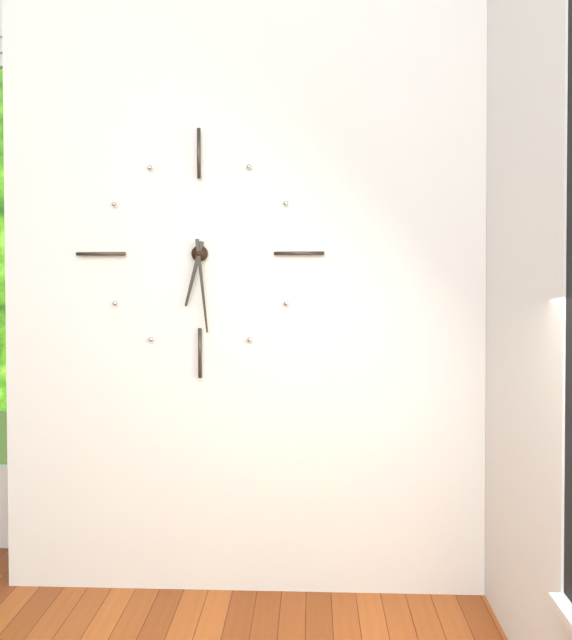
6:29
